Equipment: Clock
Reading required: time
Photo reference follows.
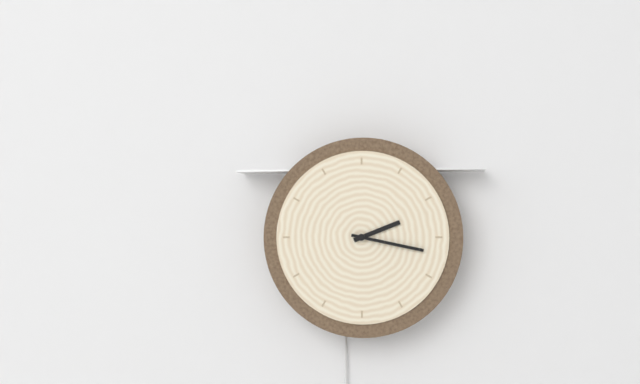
2:17
